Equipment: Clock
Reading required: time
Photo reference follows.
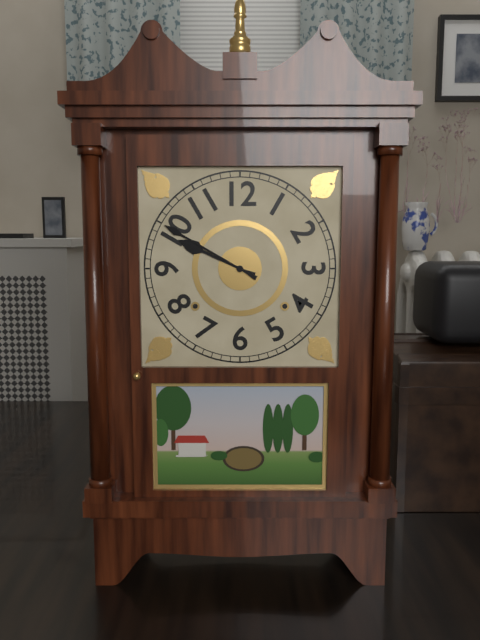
9:50
